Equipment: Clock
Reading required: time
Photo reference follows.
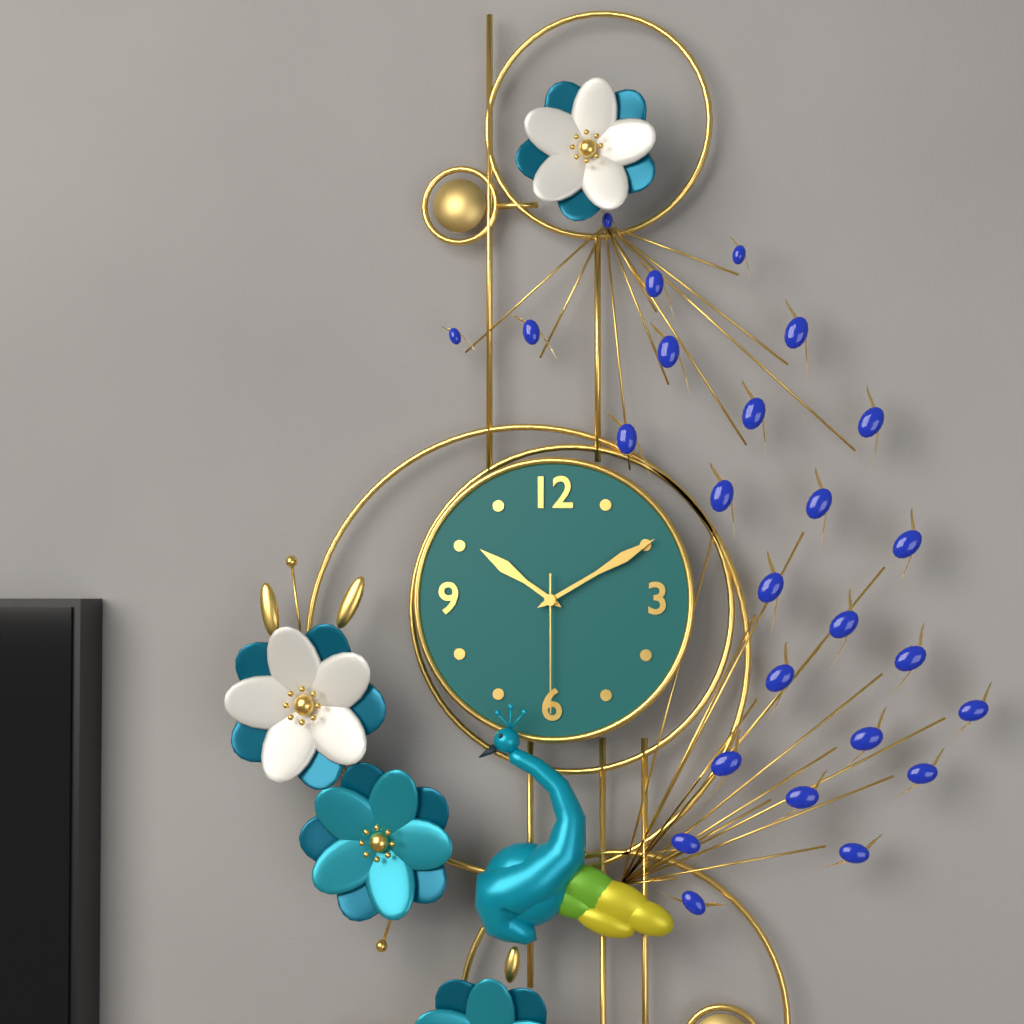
10:10:30
